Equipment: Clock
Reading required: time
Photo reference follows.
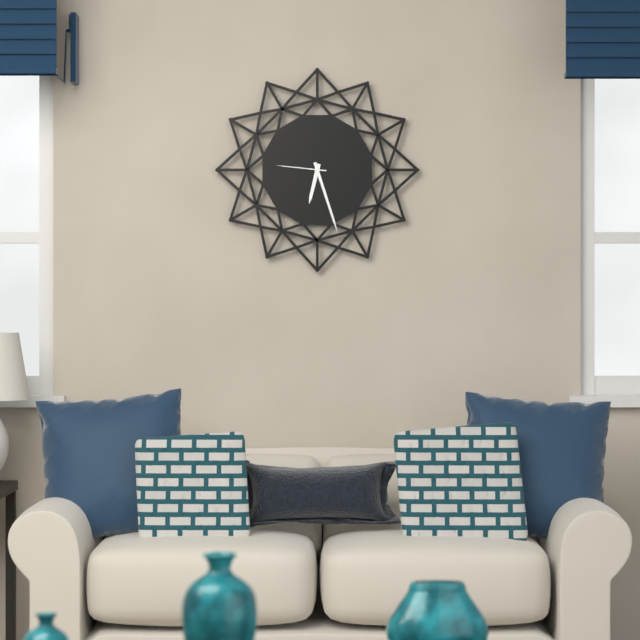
6:27:46
